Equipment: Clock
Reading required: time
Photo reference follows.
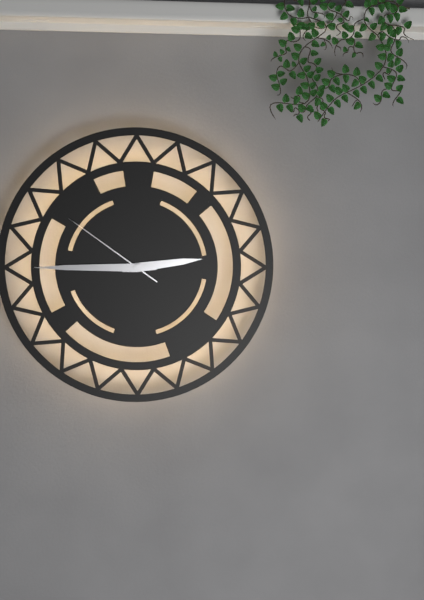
2:45:51
